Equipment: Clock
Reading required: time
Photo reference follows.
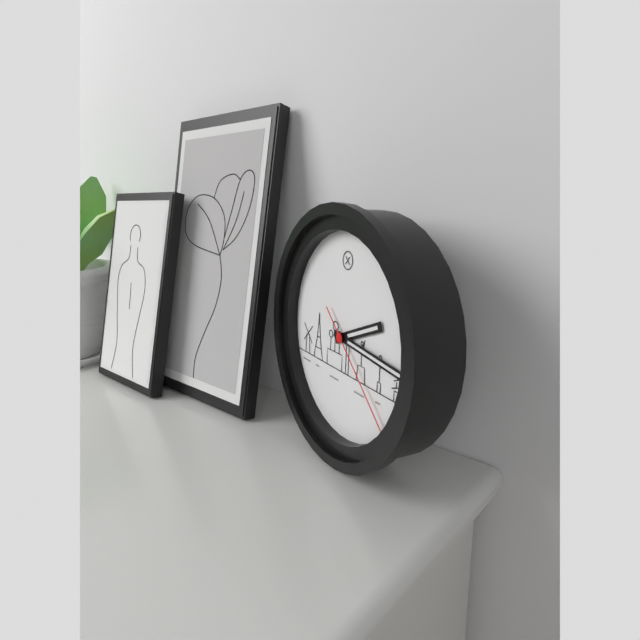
2:16:22
